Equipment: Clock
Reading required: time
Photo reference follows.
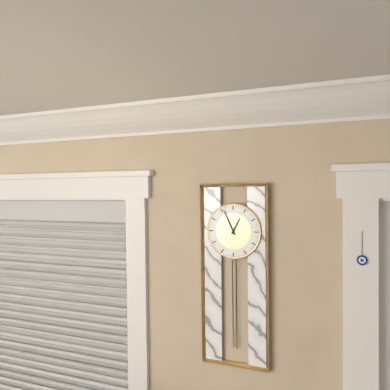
12:56
